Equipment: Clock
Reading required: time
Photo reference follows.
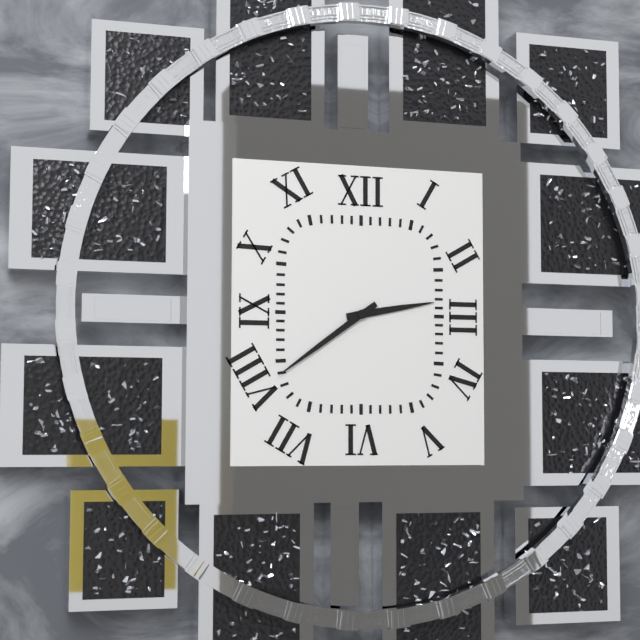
2:39
